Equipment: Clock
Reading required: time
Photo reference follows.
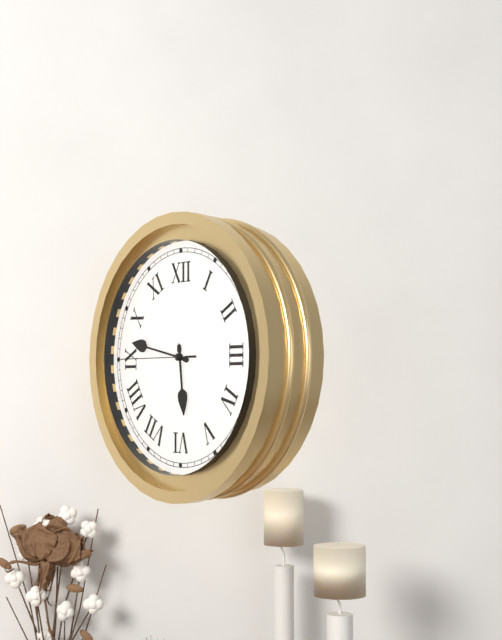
5:47:45
